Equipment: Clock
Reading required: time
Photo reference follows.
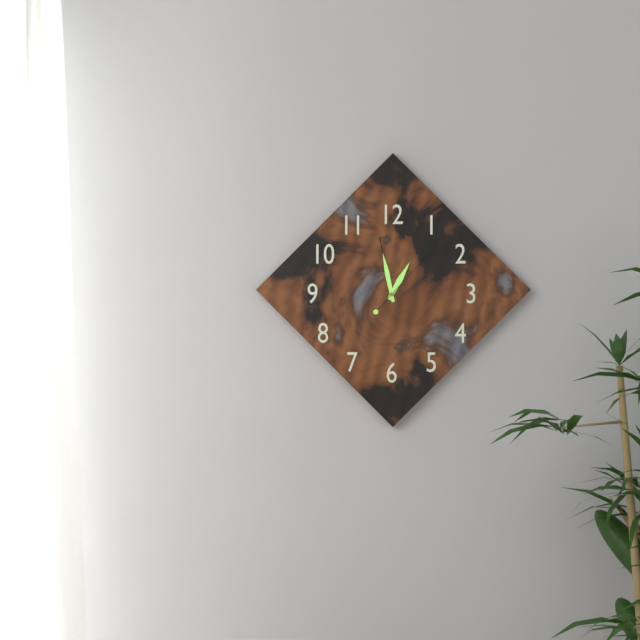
12:58:07
